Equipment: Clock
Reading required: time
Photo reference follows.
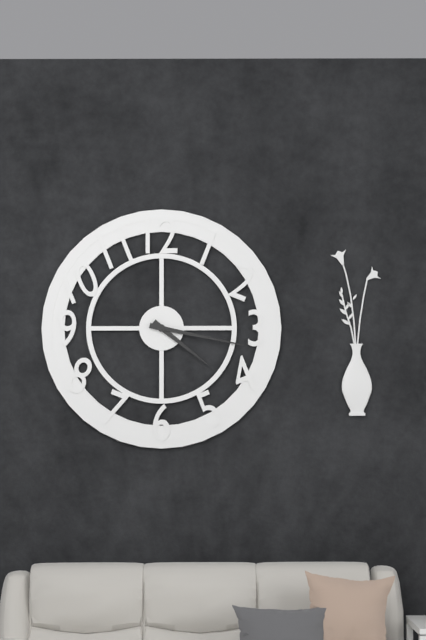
4:17
